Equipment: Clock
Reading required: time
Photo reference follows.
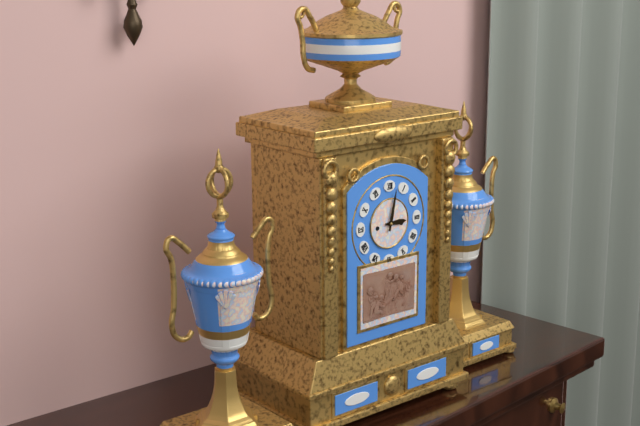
3:02
